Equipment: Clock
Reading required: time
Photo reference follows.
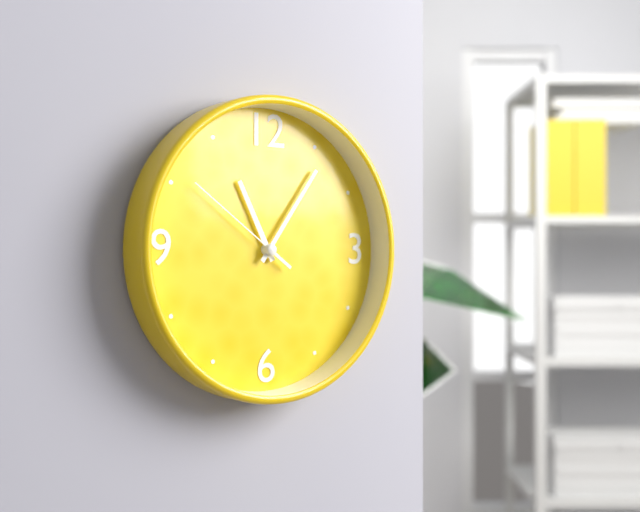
11:06:51
